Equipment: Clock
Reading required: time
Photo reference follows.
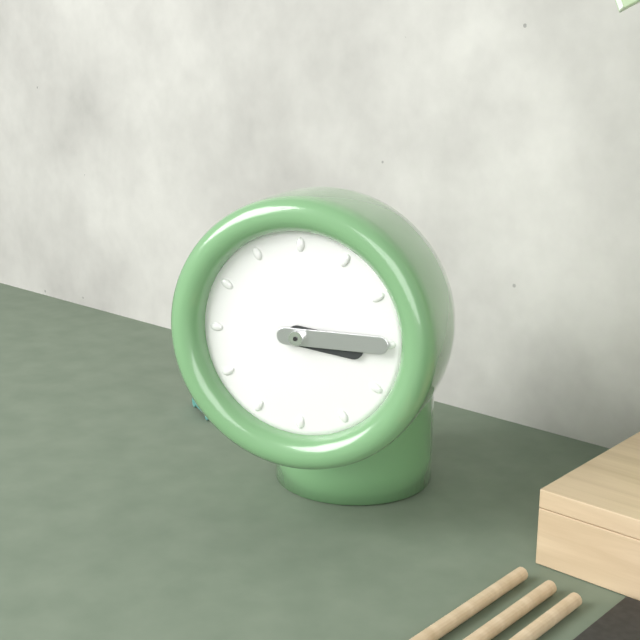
3:15
